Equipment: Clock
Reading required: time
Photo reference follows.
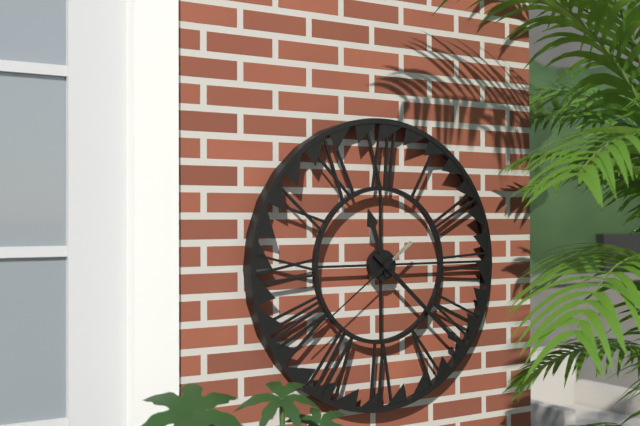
11:22:39
